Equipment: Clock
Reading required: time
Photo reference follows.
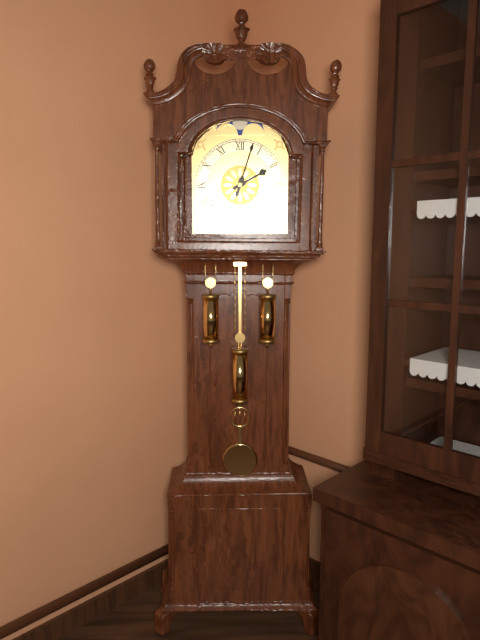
2:03
